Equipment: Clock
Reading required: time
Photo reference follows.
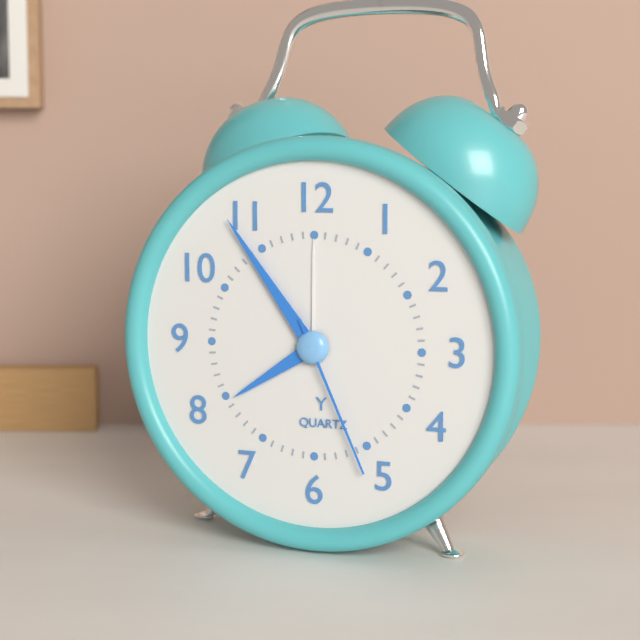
7:54:26
